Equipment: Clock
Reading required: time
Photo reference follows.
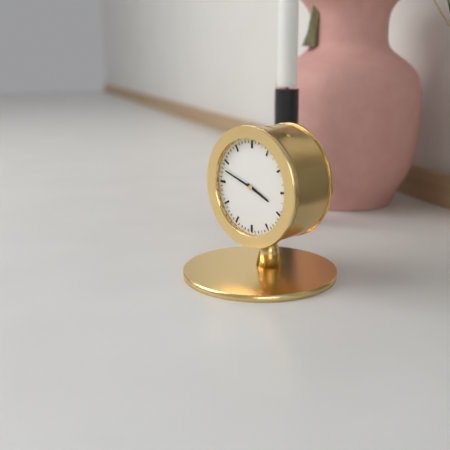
3:48
